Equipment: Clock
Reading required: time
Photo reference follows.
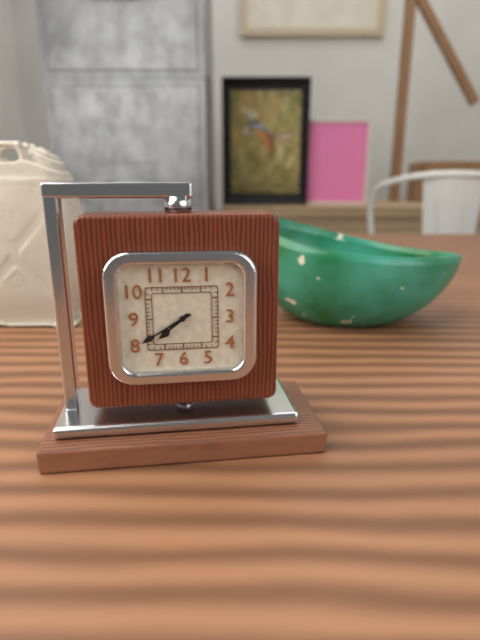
7:40
